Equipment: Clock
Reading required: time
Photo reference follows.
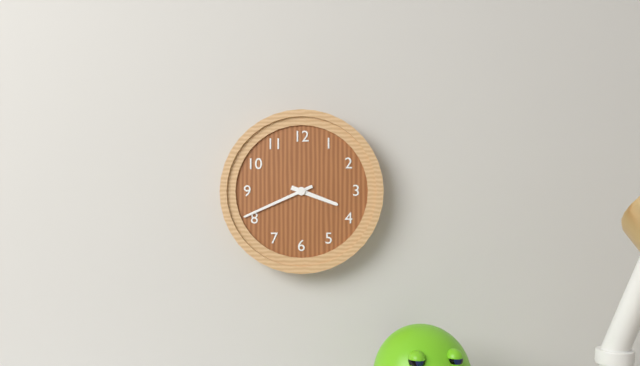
3:41
